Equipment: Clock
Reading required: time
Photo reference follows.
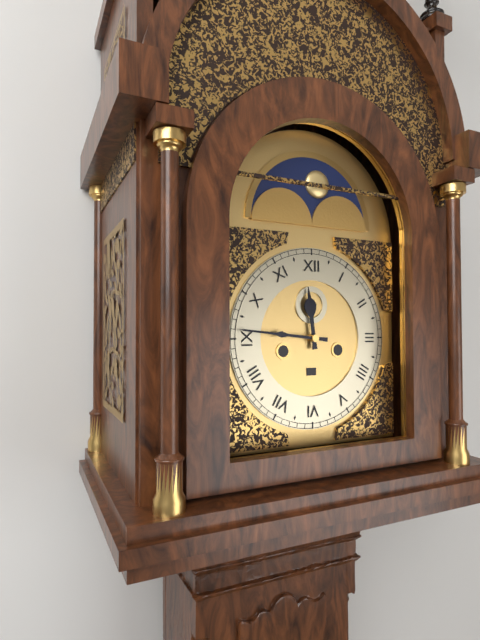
11:46
